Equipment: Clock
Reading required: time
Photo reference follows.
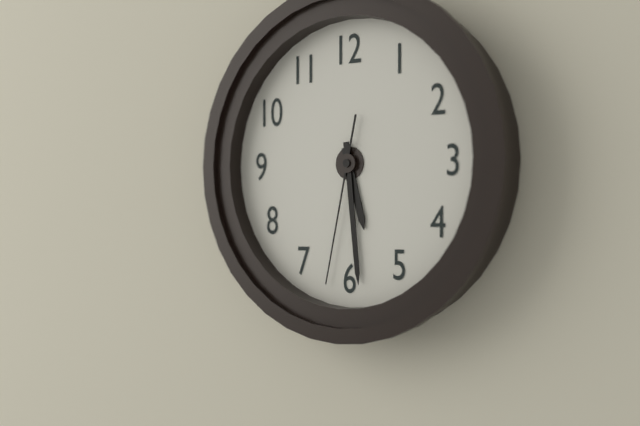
5:29:32
